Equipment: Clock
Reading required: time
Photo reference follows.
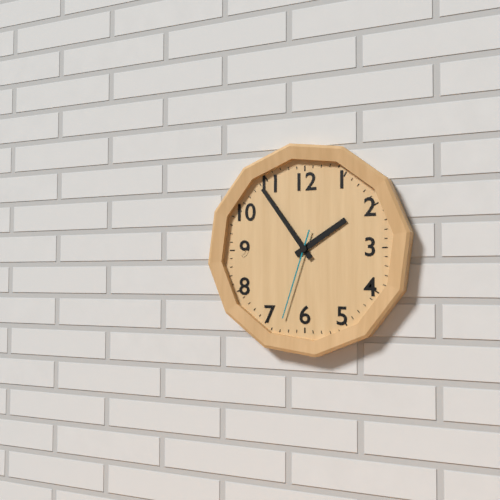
1:54:33
